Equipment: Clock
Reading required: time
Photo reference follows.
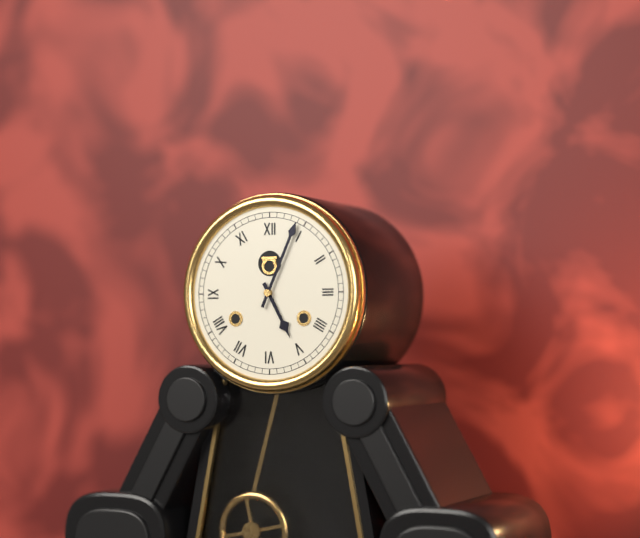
5:04
